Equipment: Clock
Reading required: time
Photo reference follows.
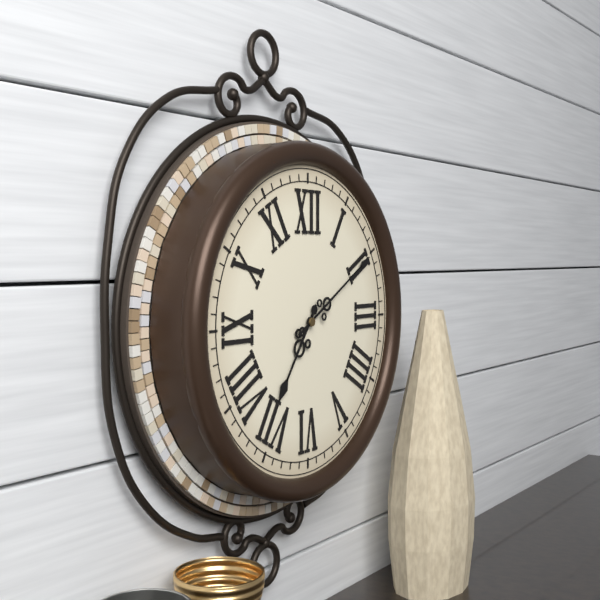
7:10
